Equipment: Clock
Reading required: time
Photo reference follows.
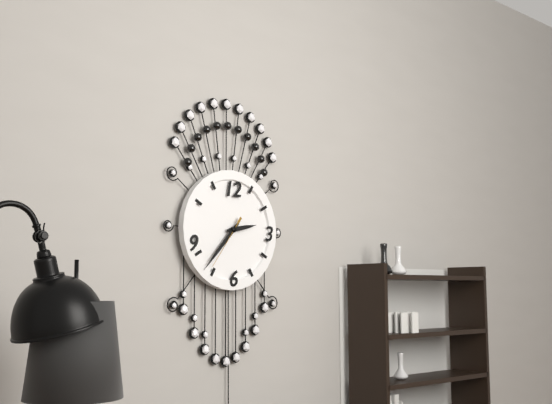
2:37:36
